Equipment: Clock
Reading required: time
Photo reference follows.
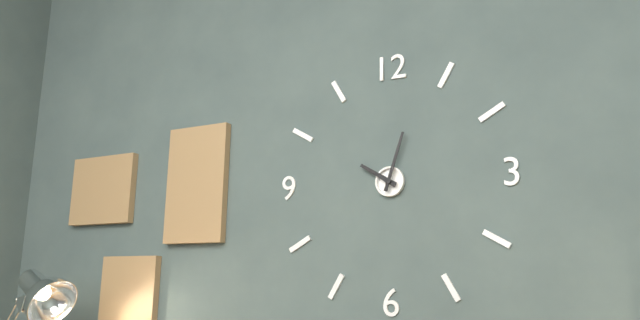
10:03
